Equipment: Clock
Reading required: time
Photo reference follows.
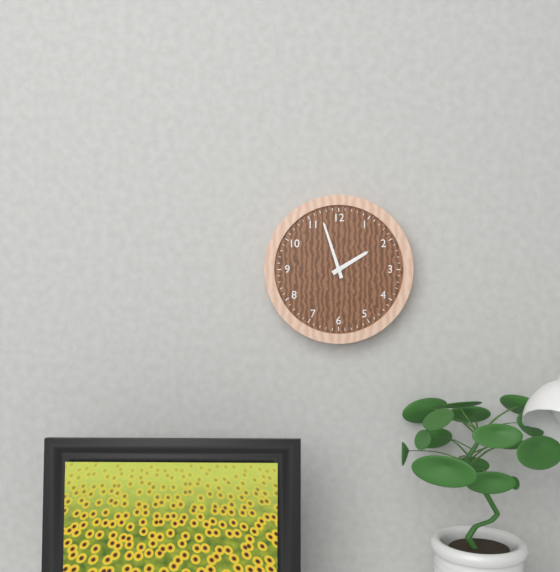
1:57
